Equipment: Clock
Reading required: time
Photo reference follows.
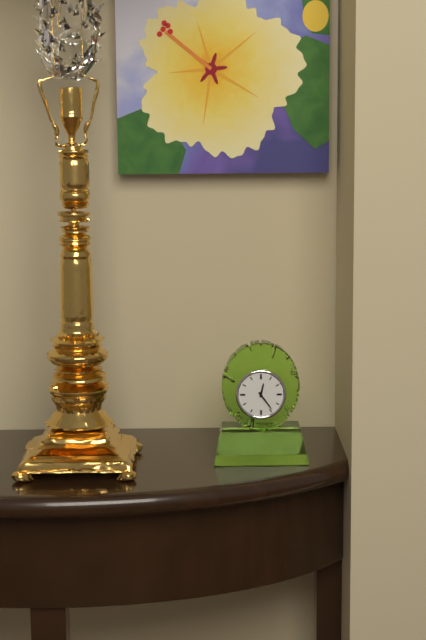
12:24
